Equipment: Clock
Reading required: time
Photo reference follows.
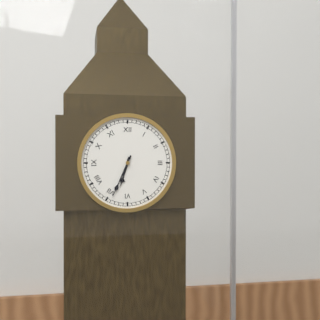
6:34
